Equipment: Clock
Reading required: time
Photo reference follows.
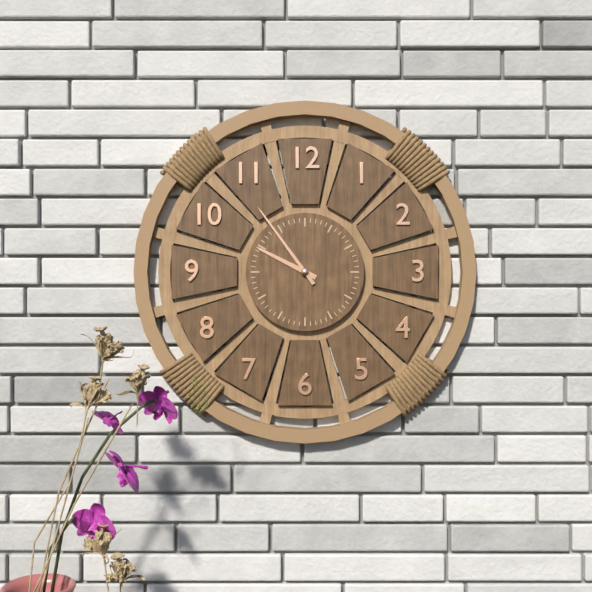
9:54
